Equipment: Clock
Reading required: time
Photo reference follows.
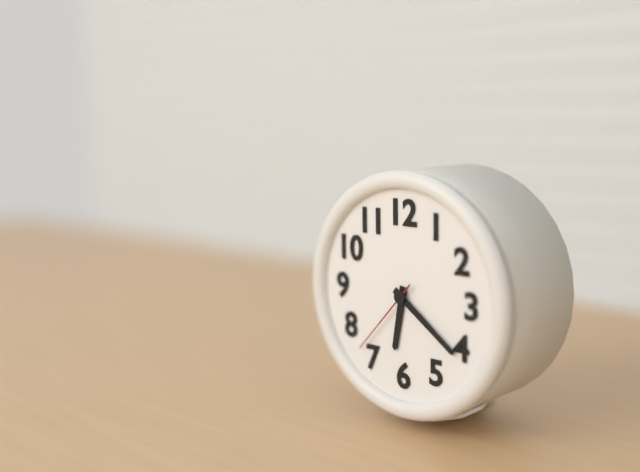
6:21:37
